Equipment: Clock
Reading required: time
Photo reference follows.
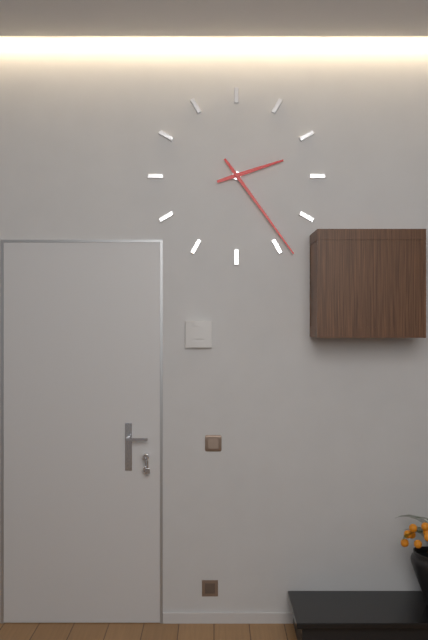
2:24
